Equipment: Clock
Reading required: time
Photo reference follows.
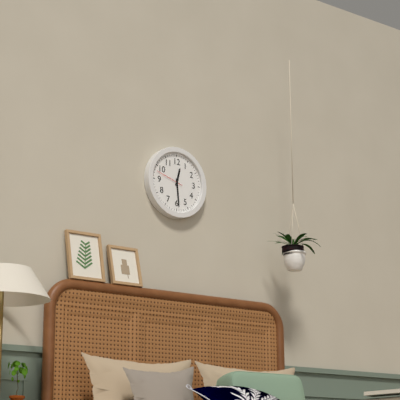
12:29
